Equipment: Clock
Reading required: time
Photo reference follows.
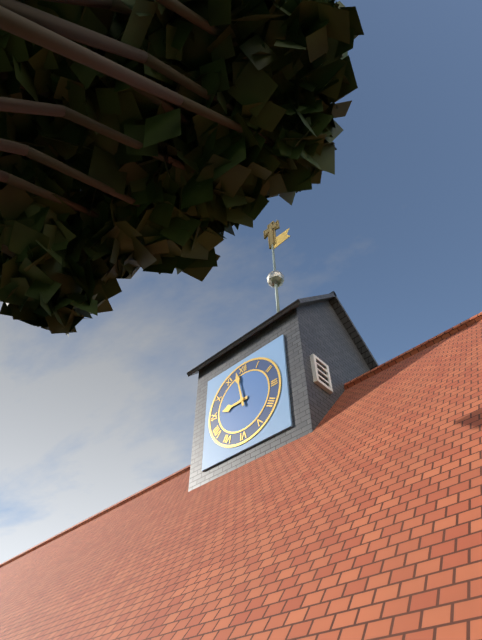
8:58
